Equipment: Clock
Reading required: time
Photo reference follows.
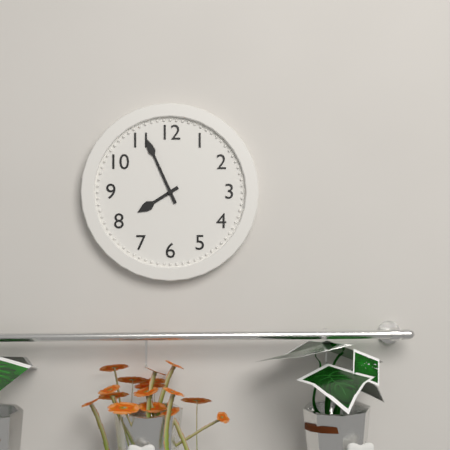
7:56
